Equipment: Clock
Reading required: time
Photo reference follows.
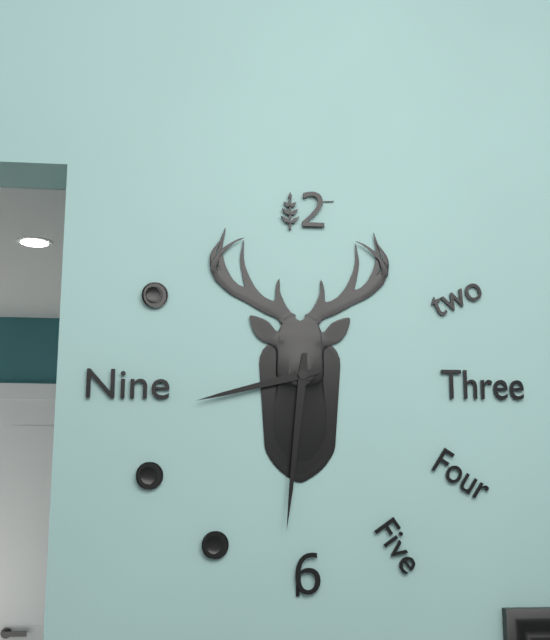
8:31
